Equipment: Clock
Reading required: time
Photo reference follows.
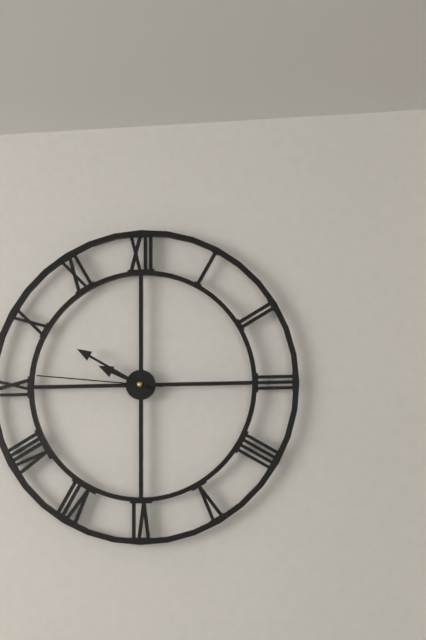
9:50:46
